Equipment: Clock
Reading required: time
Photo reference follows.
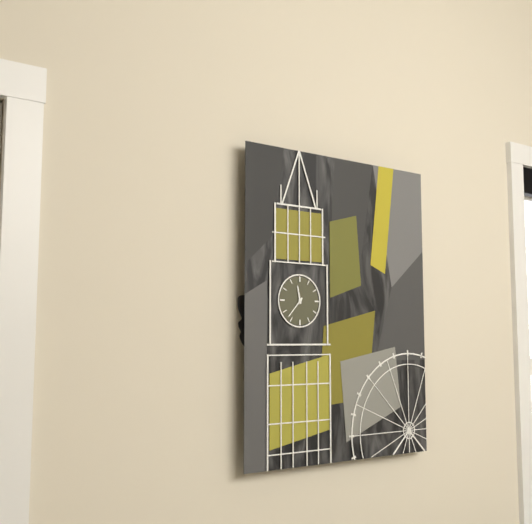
11:37
